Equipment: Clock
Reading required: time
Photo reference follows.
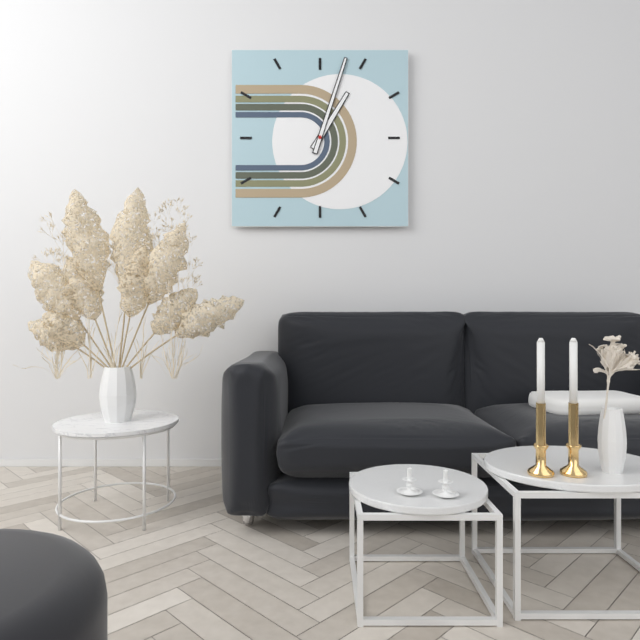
1:03
